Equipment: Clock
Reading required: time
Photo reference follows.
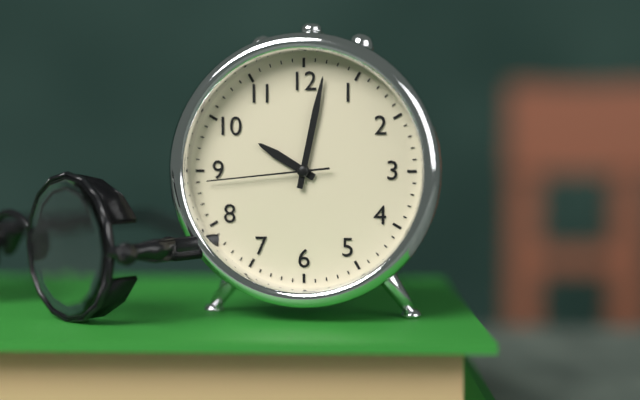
10:02:44
